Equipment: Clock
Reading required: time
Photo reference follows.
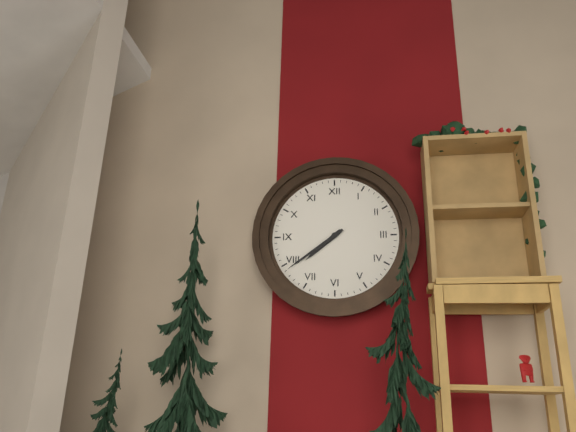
7:39
